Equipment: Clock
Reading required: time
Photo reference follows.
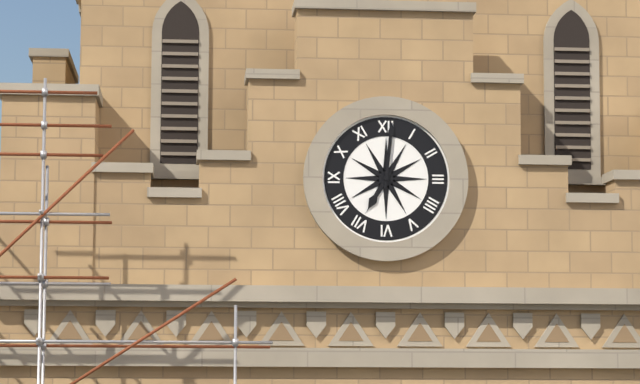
7:01
